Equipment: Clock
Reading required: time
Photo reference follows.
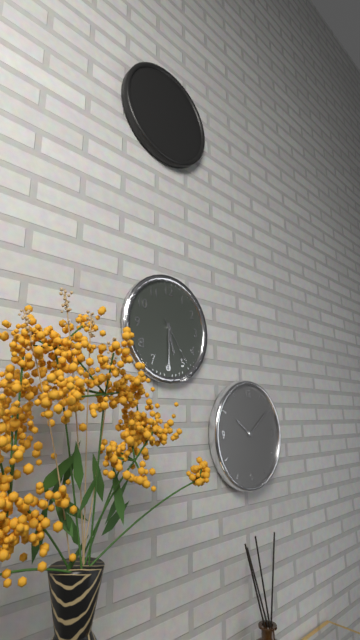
5:30:24
